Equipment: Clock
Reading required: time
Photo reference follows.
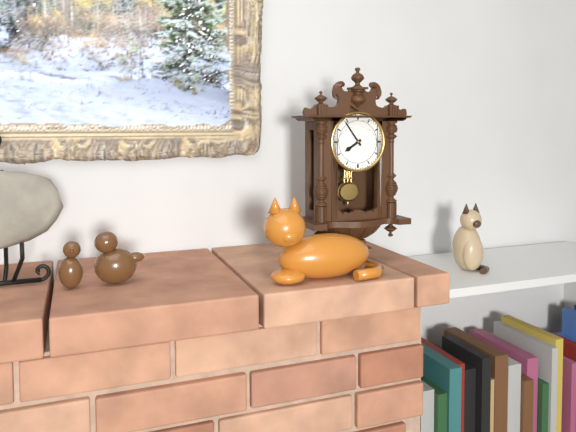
7:54
